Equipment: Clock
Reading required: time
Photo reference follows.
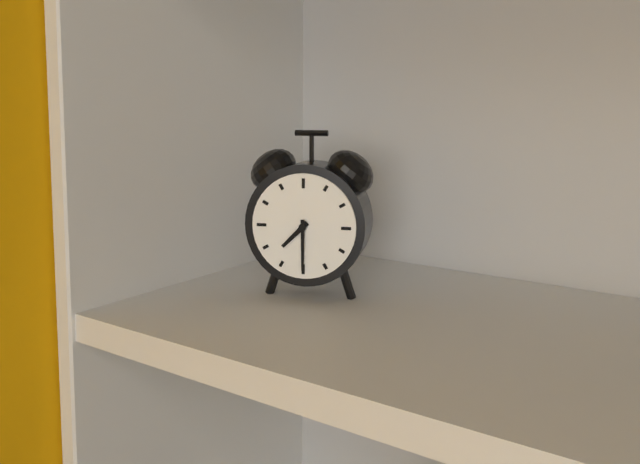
7:30
